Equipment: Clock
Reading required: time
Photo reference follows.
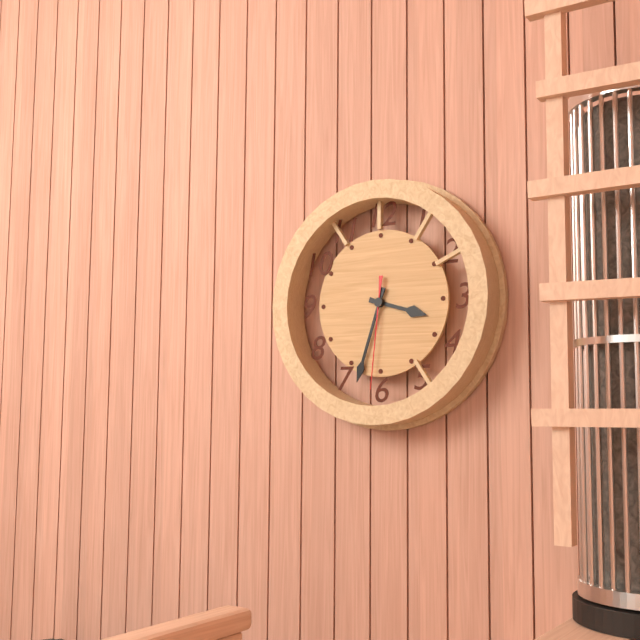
3:33:31
